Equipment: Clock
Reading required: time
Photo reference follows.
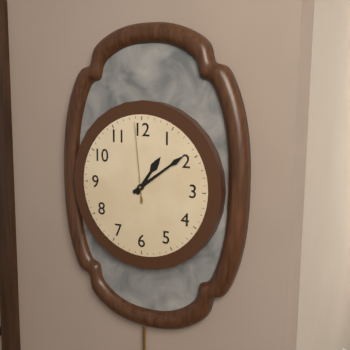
1:09:59
